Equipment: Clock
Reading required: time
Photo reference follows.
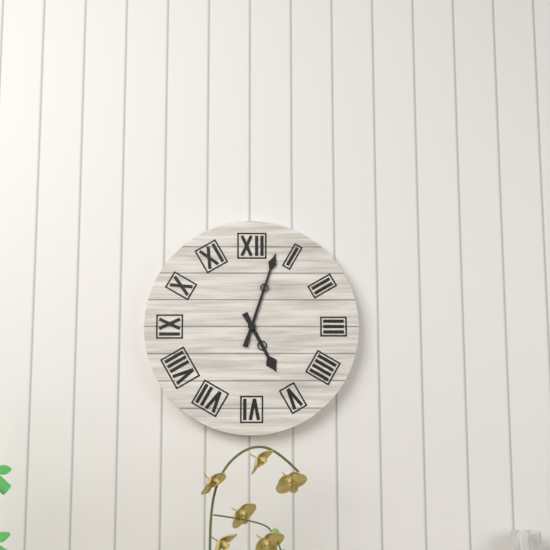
5:03
